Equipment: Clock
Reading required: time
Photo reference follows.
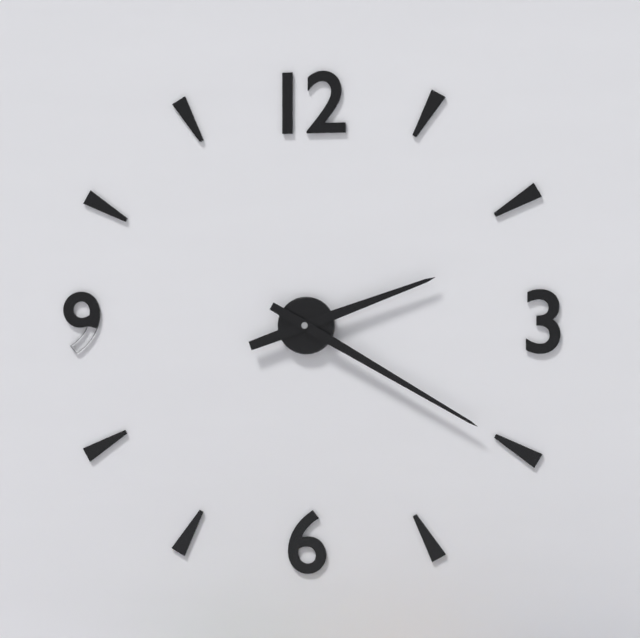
2:20
